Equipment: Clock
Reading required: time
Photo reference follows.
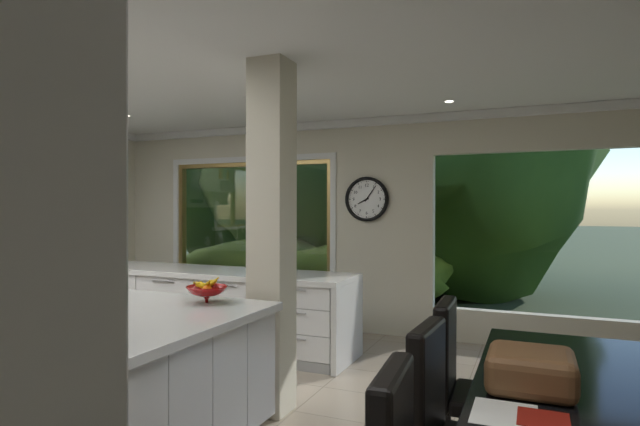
8:06
